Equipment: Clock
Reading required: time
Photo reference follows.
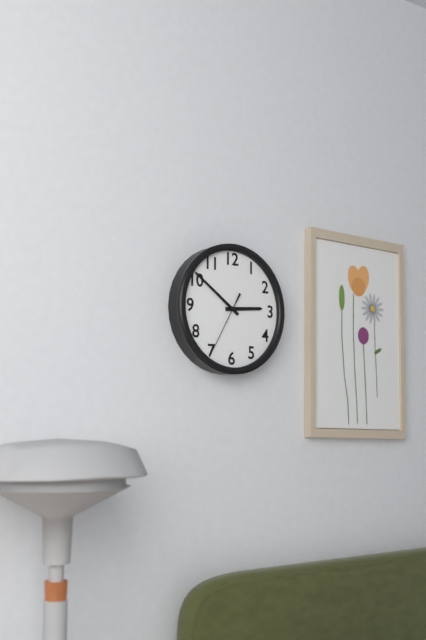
2:51:35
